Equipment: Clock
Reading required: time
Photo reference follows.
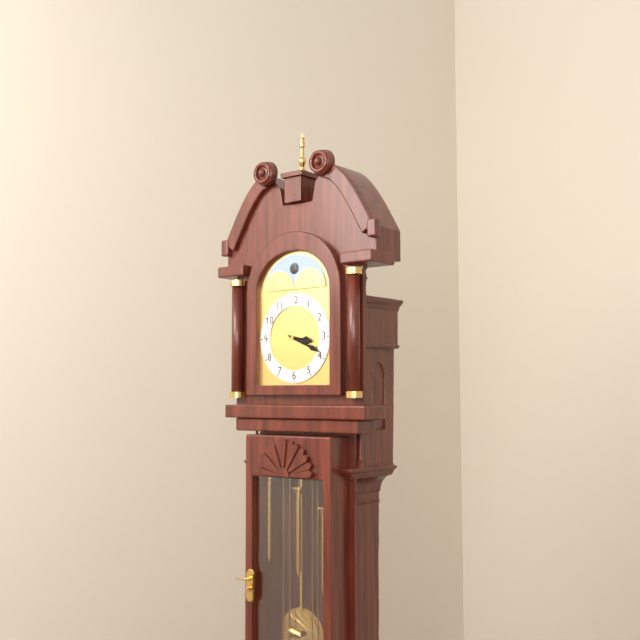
3:19
